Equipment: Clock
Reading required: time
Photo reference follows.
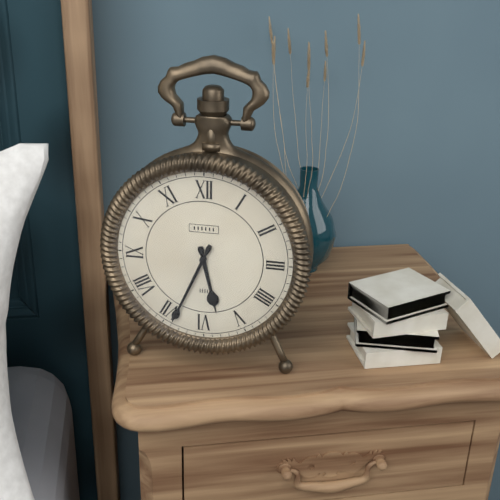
5:34
